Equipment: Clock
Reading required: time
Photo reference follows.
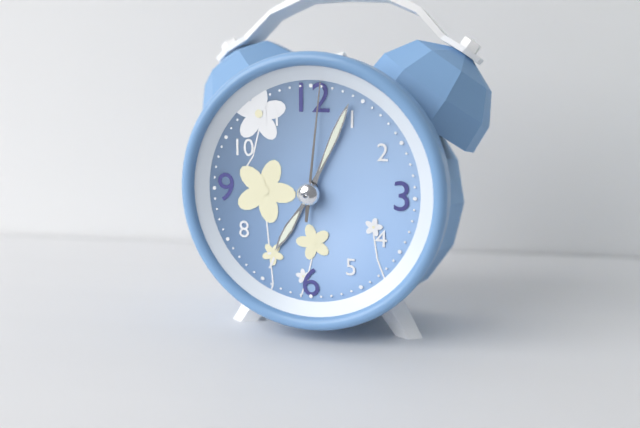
7:04:01
